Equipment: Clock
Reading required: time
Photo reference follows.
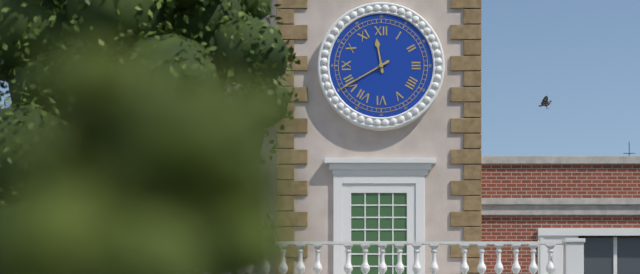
11:40
